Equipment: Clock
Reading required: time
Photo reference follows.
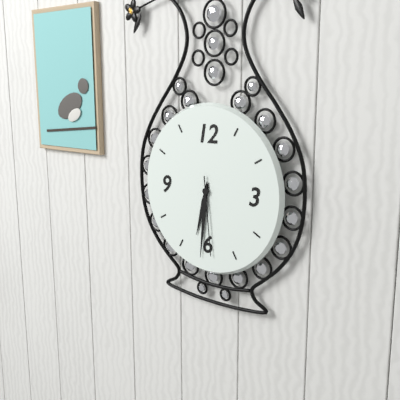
6:31:29
